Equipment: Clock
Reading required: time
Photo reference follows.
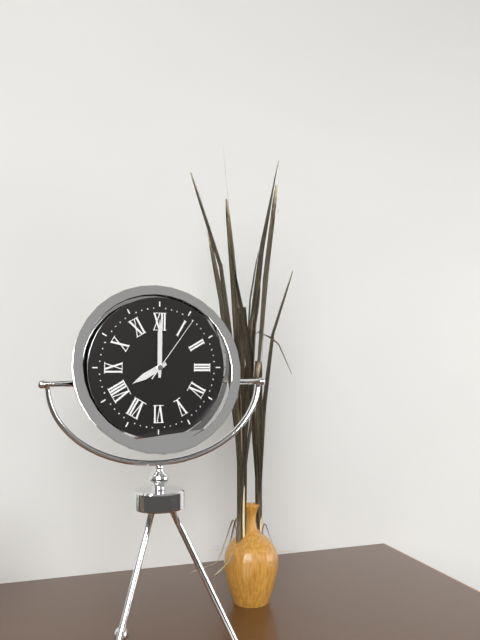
8:00:06
